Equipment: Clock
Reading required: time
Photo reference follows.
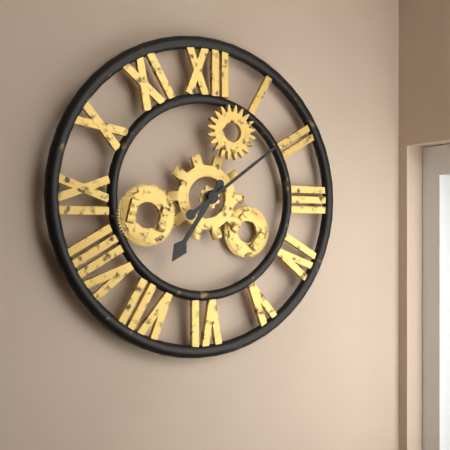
7:09
